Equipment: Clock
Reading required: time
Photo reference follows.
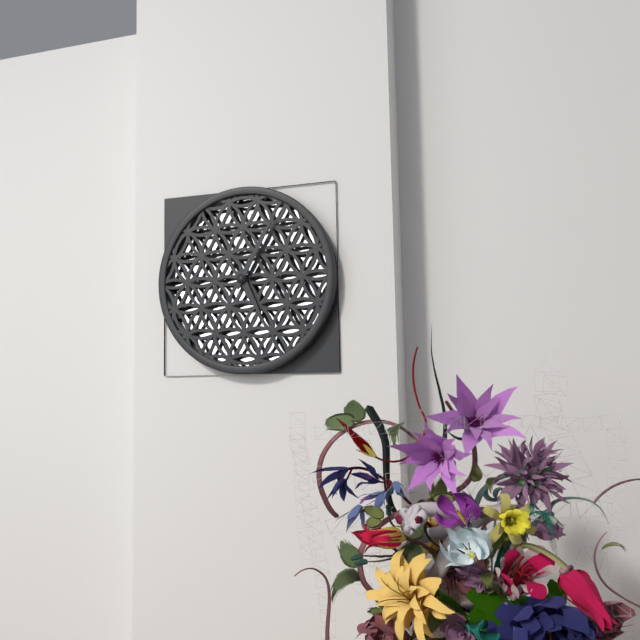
5:05
